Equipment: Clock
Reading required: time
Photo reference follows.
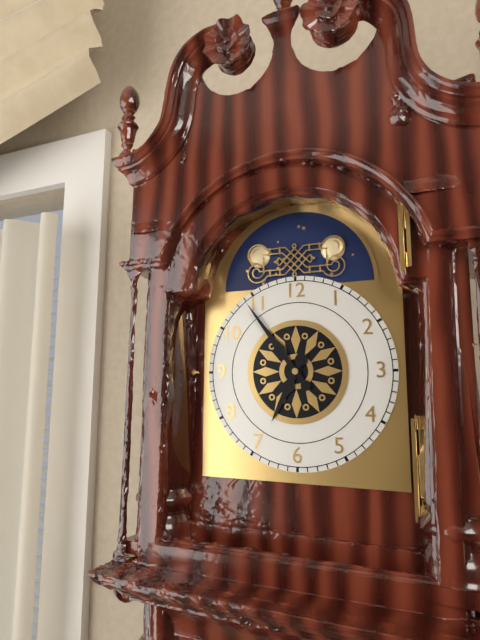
6:54
